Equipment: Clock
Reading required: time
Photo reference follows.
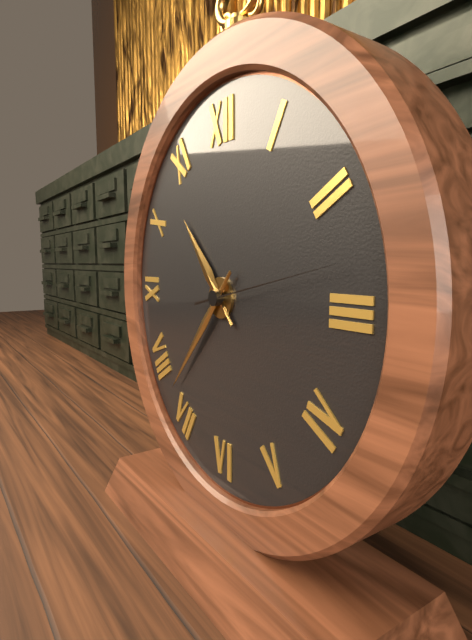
10:37:13
